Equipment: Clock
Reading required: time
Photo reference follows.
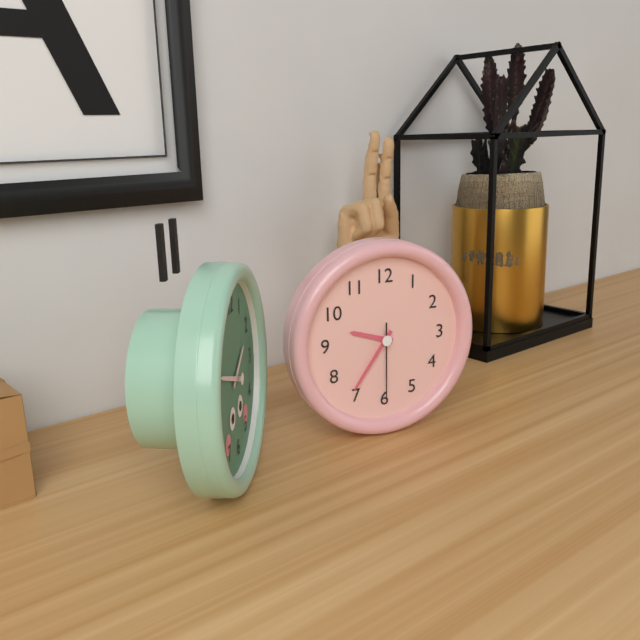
9:36:30
